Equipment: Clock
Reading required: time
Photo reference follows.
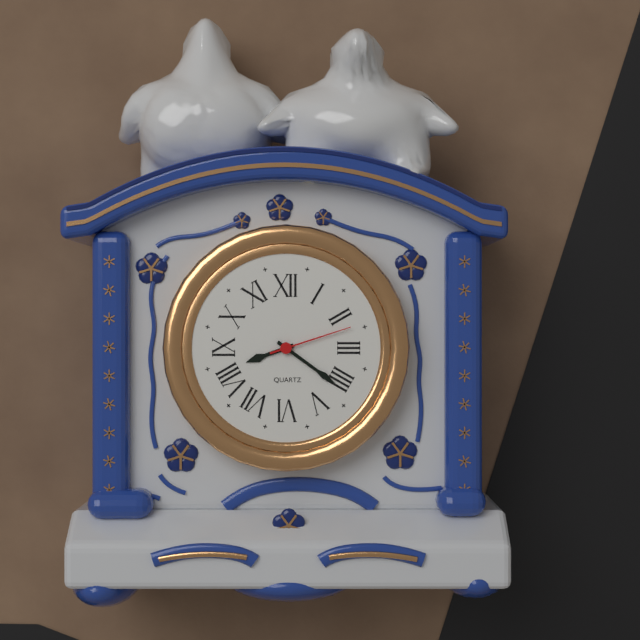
8:21:12
